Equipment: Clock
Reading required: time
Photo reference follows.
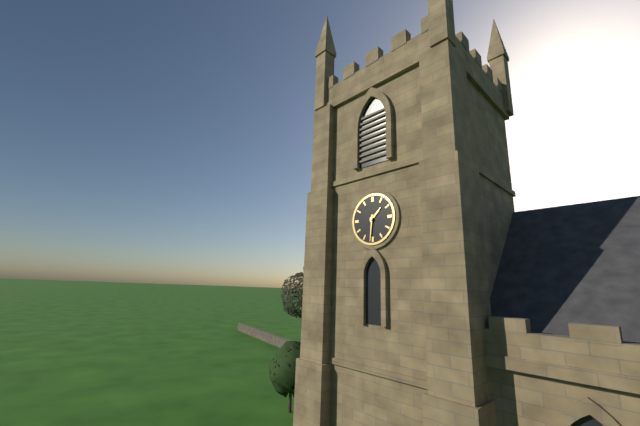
1:31
